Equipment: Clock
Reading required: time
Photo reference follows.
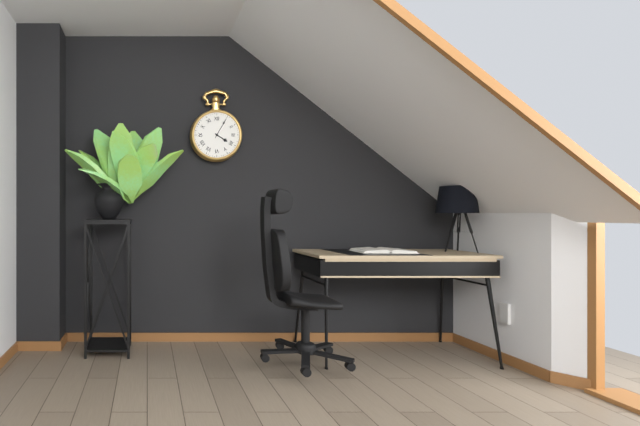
4:05
